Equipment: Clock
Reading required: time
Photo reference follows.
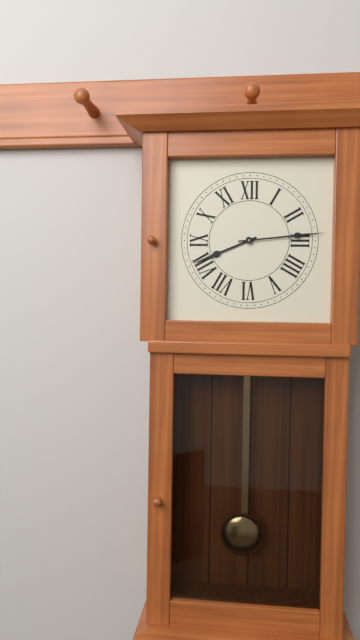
8:14
